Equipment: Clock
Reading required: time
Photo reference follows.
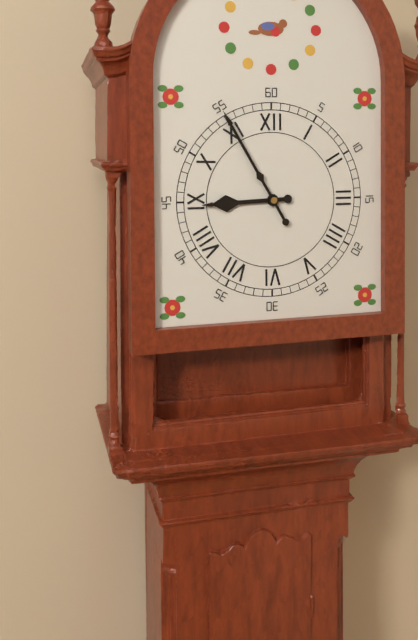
8:55
